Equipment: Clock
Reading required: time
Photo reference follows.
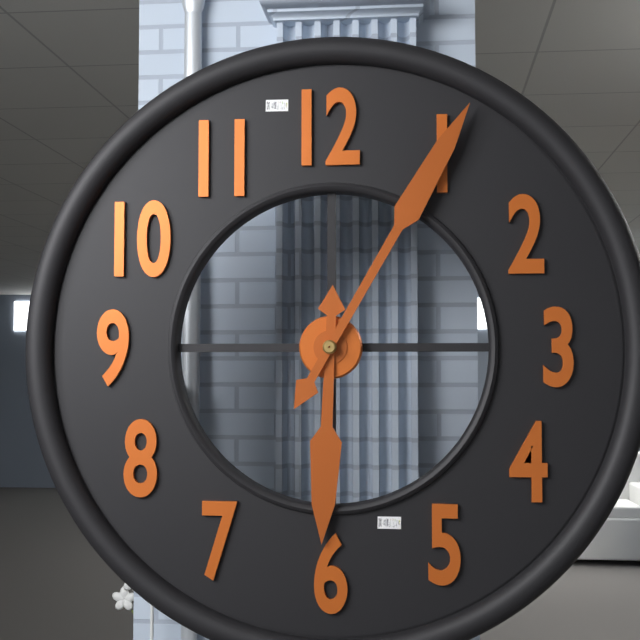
6:05
